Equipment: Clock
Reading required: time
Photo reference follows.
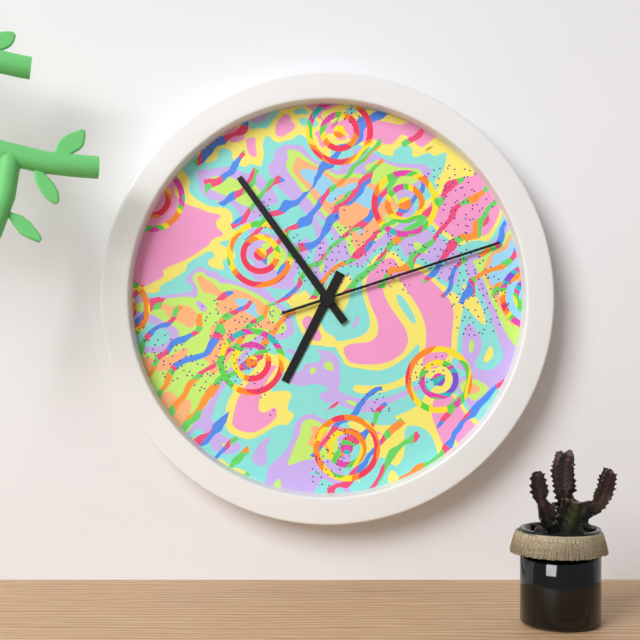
6:54:12
